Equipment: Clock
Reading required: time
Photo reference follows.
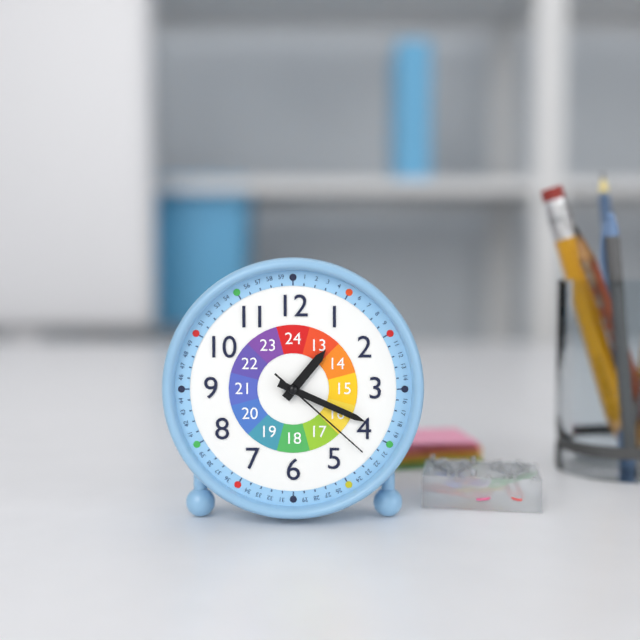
1:19:22
